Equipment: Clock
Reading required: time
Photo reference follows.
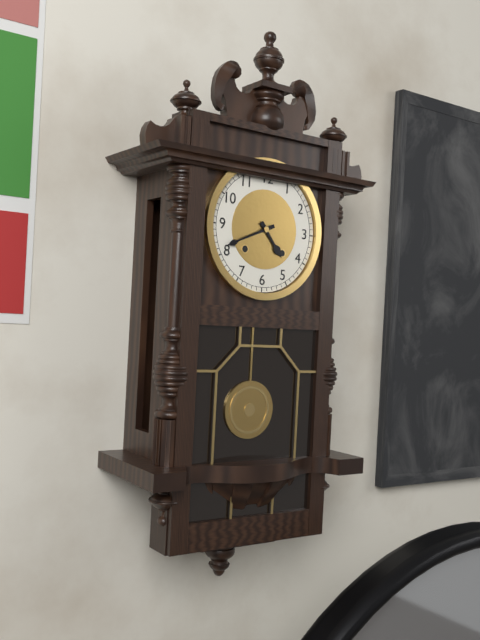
4:41
